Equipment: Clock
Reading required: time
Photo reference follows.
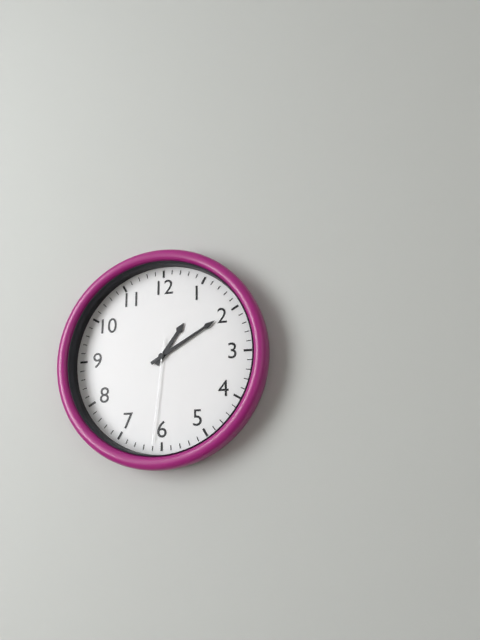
1:10:31
